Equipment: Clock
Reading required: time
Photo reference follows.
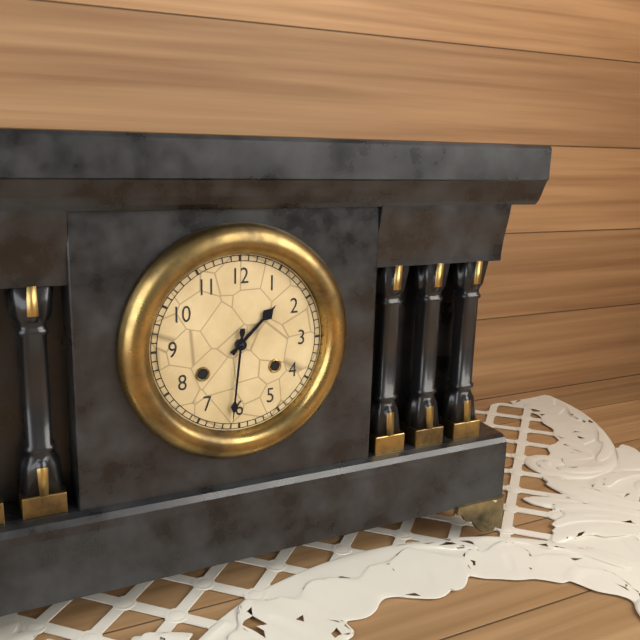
1:31
